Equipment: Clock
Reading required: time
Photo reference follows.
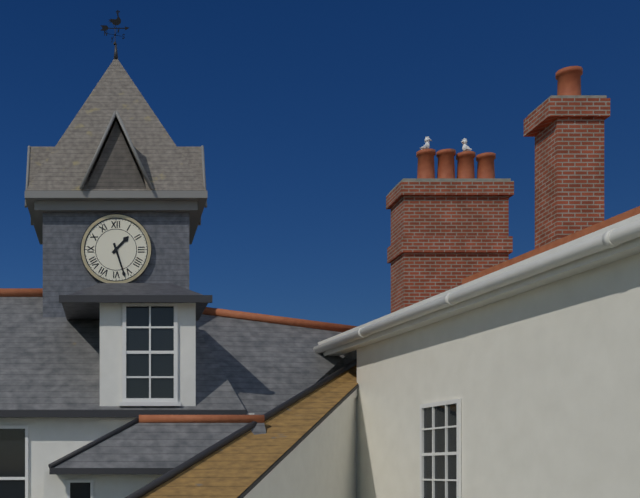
1:27
